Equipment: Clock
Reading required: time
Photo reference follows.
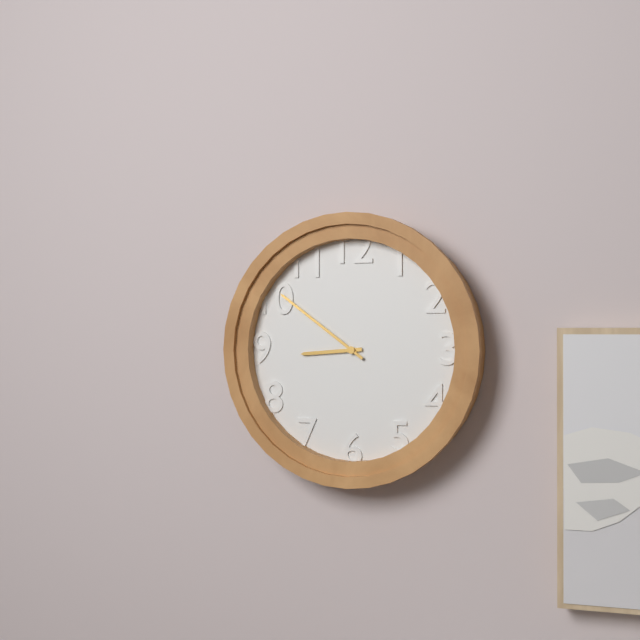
8:51
